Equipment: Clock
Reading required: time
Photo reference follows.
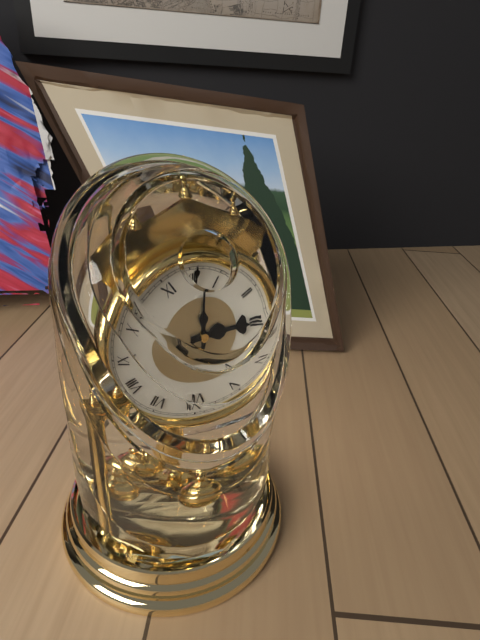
3:01
